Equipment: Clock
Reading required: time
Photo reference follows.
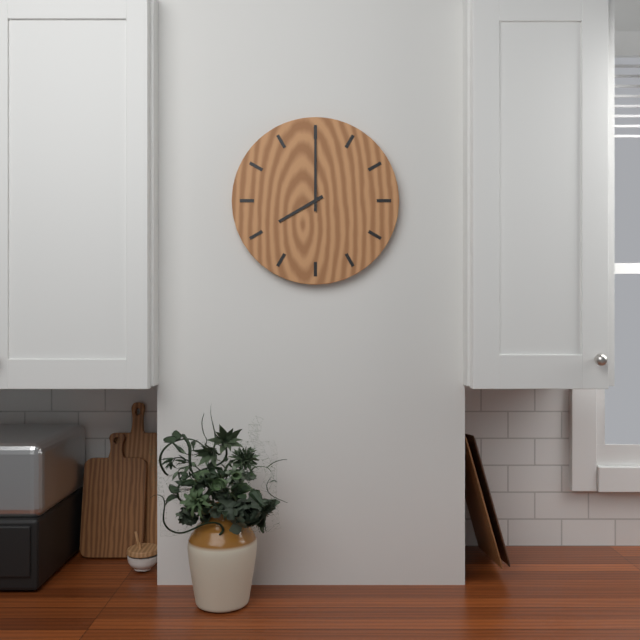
8:00
